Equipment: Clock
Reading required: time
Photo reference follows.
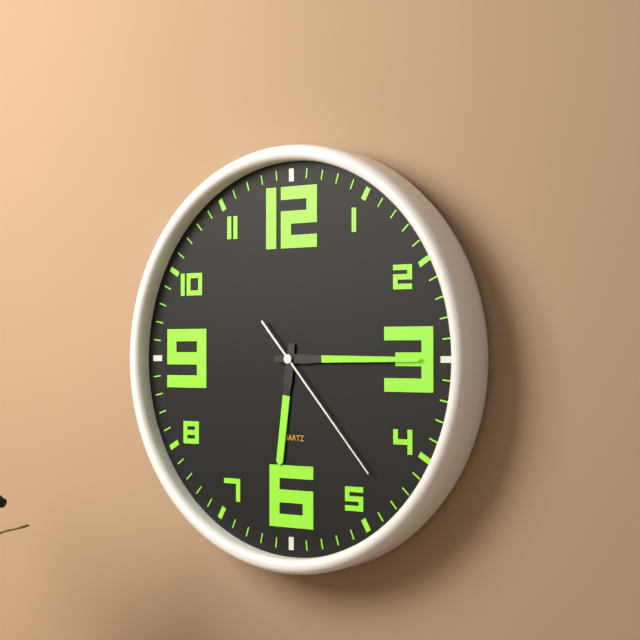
6:15:23
